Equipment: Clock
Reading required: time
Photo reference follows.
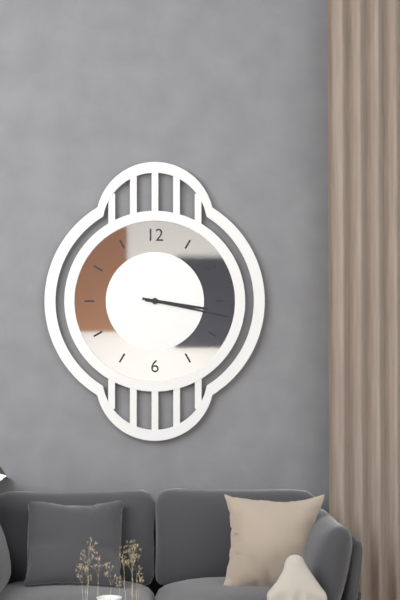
3:17
